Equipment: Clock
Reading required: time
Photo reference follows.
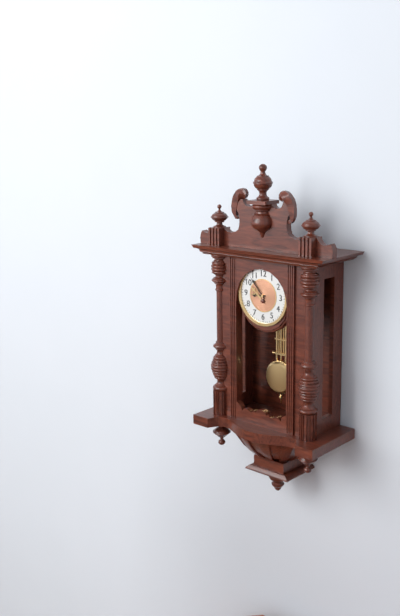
8:53
